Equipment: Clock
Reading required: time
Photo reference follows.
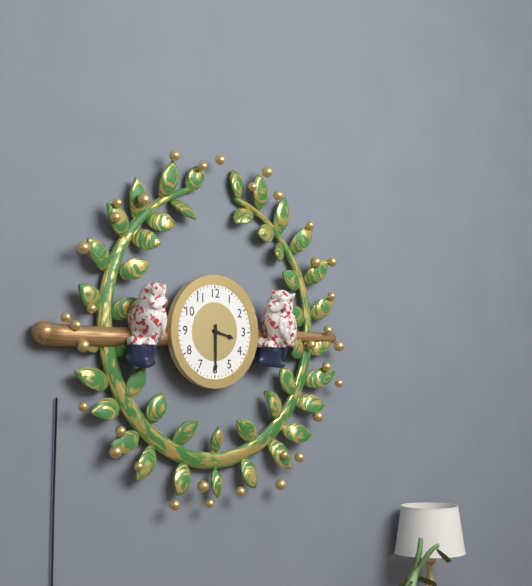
3:30
